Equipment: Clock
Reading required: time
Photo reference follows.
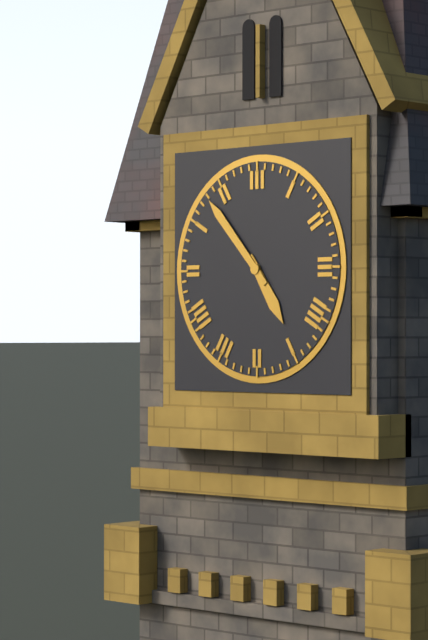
4:53
